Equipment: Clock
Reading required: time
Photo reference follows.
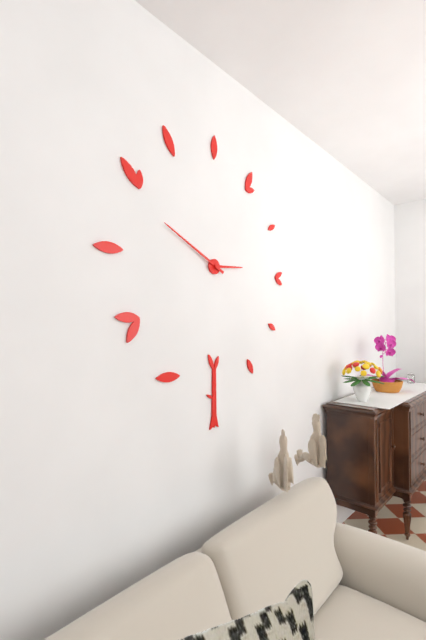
2:49
